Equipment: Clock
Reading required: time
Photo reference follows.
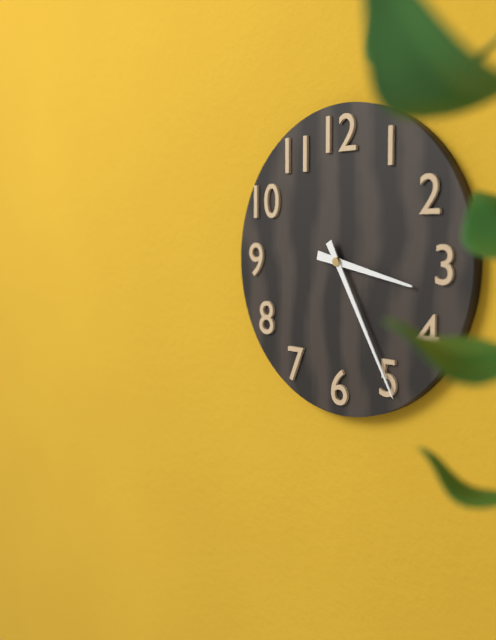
3:25
